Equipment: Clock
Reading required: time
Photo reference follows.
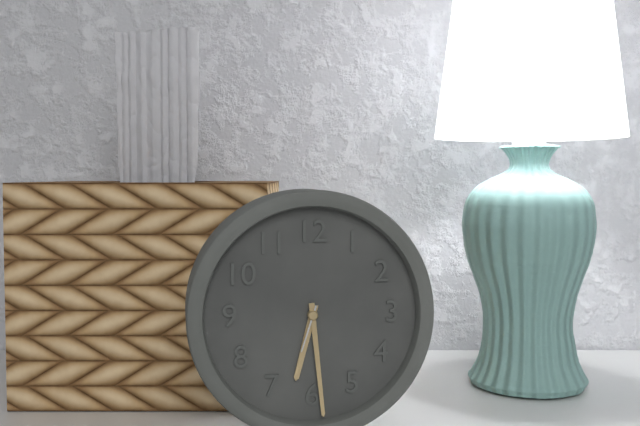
6:29
